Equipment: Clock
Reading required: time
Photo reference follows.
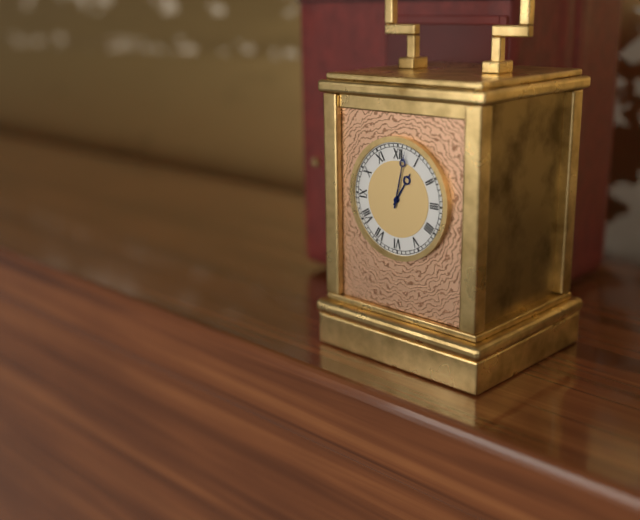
1:02
